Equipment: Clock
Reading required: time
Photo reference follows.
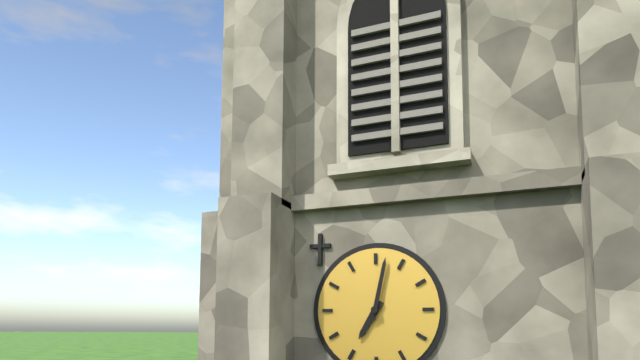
7:02
